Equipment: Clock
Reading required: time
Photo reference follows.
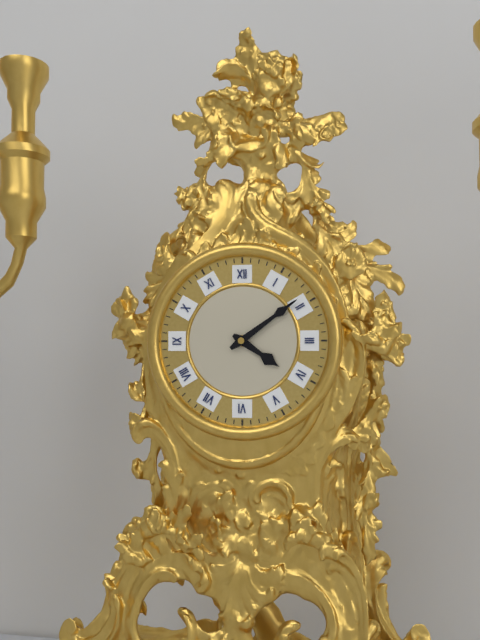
4:09
